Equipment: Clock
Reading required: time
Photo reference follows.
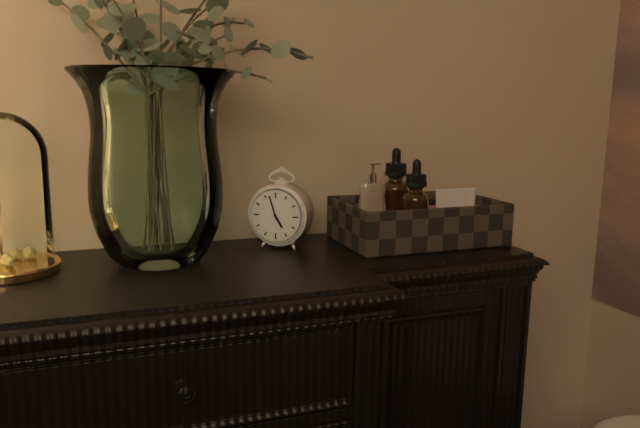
4:57
